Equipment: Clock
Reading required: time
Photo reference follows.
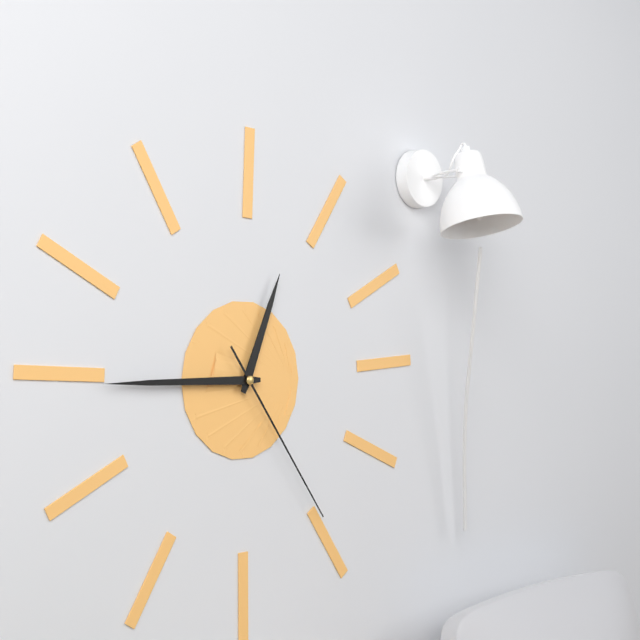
12:45:24
